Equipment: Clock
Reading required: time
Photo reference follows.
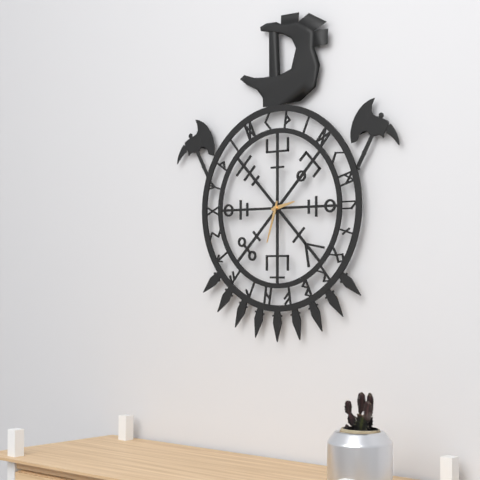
2:33
